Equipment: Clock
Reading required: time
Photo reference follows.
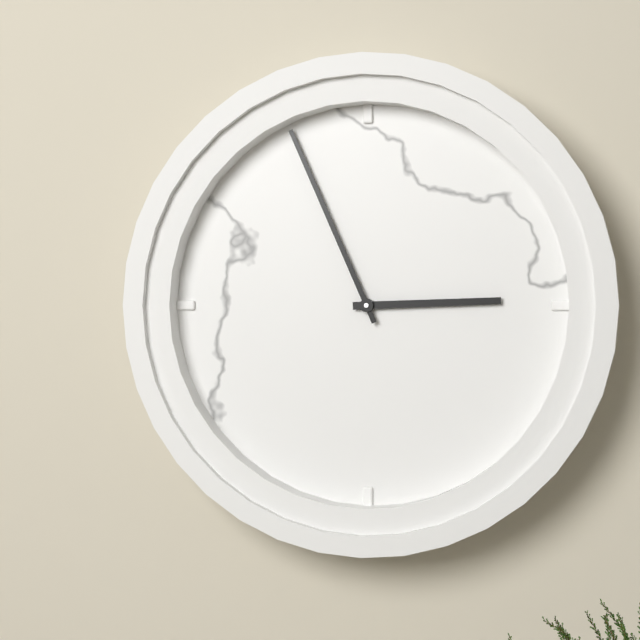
2:56
